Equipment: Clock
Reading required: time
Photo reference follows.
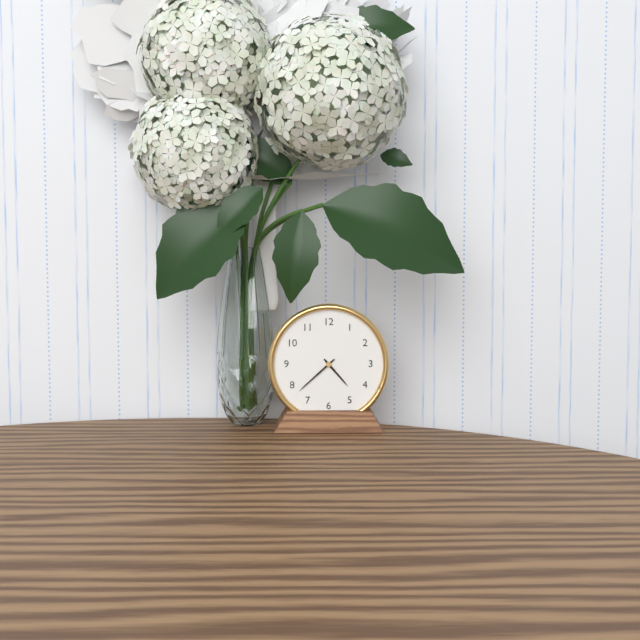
4:38
